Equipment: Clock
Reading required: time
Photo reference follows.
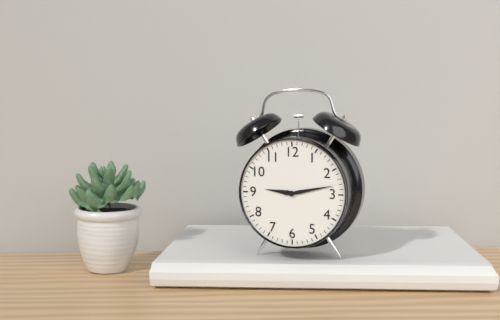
9:13
